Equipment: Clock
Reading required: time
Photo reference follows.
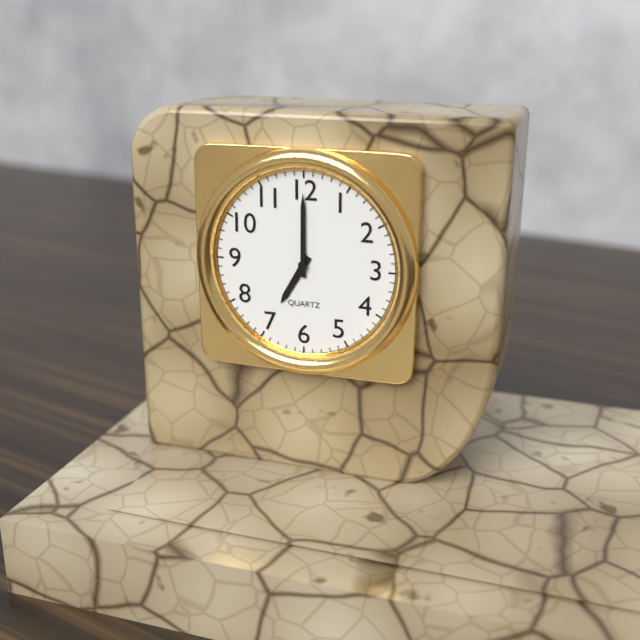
7:00
